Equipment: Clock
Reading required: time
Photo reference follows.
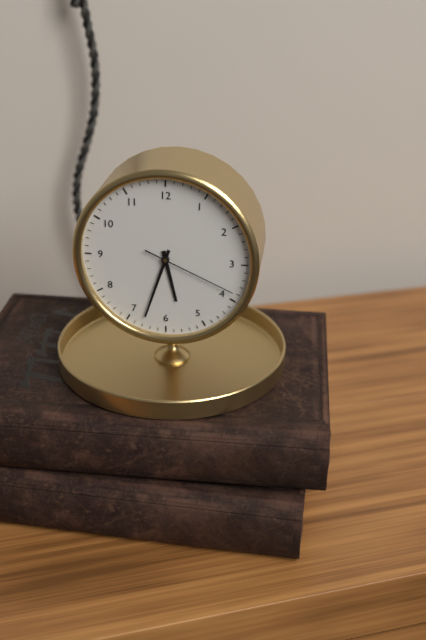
5:33:19
